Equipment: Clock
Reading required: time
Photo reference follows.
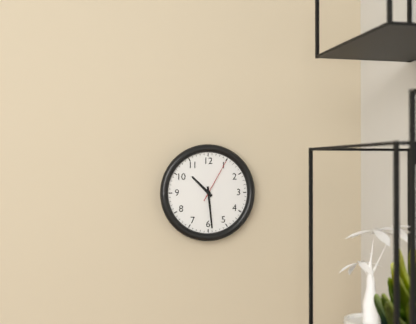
10:29
